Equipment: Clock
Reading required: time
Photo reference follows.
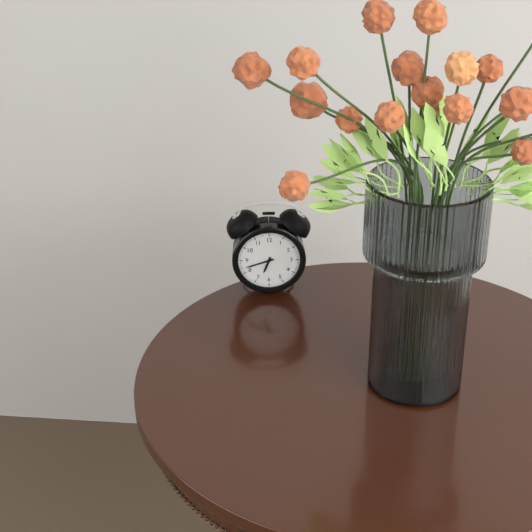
6:42
